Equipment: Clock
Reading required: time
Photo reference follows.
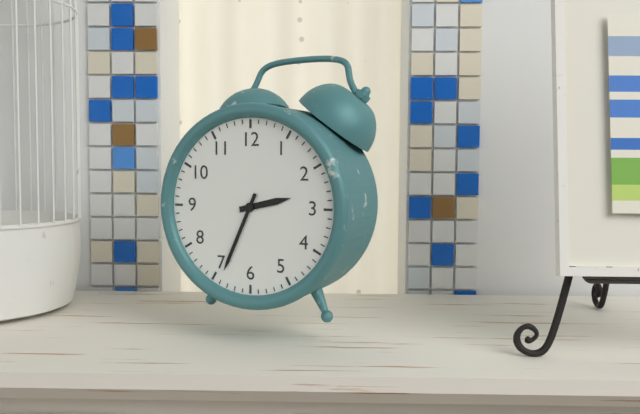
2:34
